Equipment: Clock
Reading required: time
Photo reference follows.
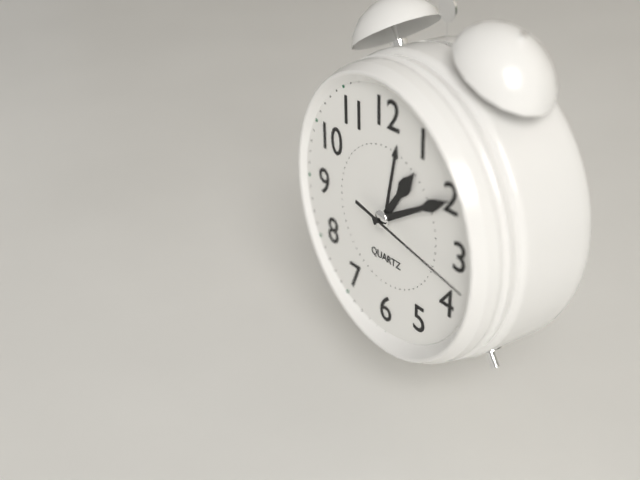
1:10:17
